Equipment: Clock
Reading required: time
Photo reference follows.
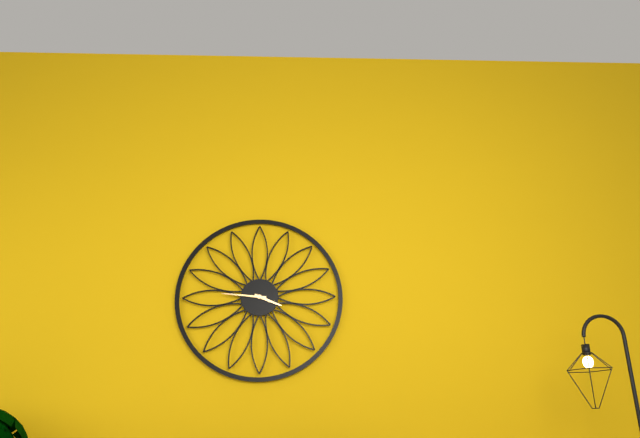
3:46
